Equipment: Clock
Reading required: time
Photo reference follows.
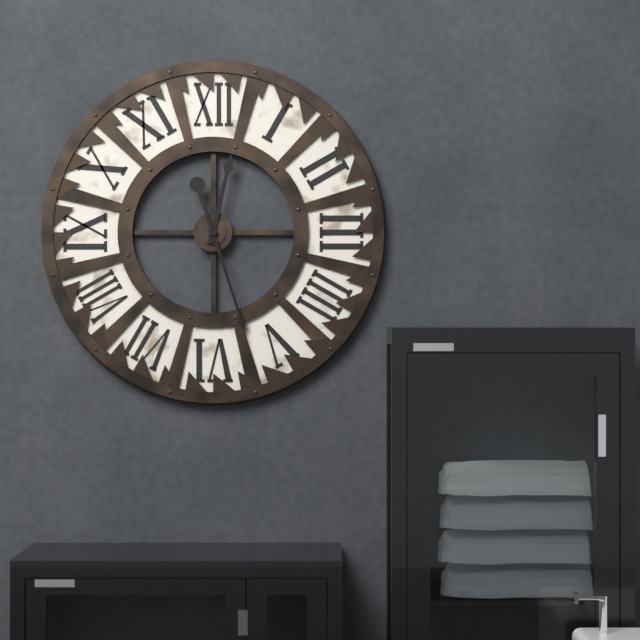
12:27
